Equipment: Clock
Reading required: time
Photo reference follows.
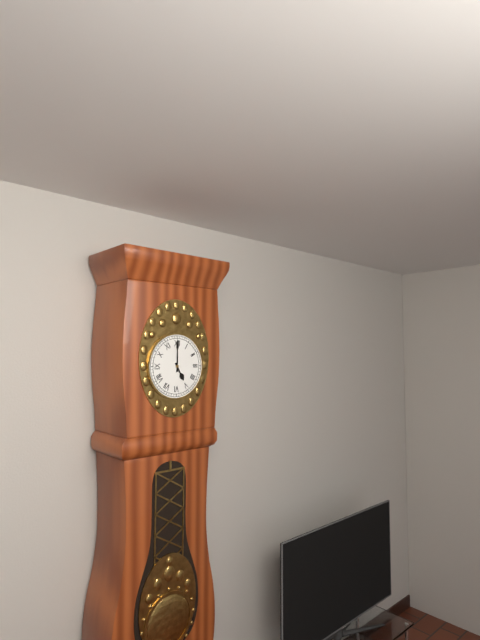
5:00
